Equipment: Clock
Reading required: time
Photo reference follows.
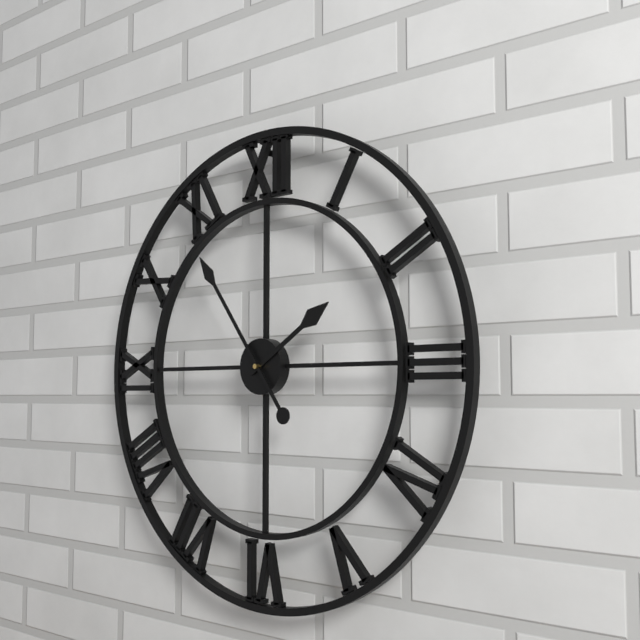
1:54
